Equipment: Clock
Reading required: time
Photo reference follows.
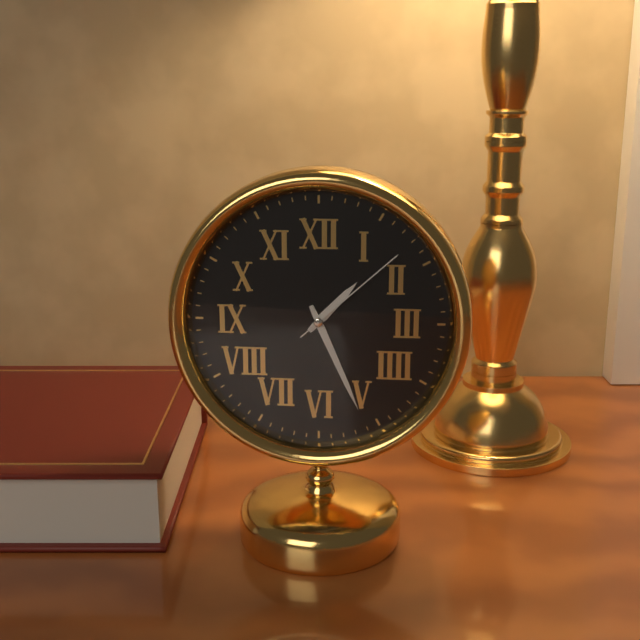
1:26:08
